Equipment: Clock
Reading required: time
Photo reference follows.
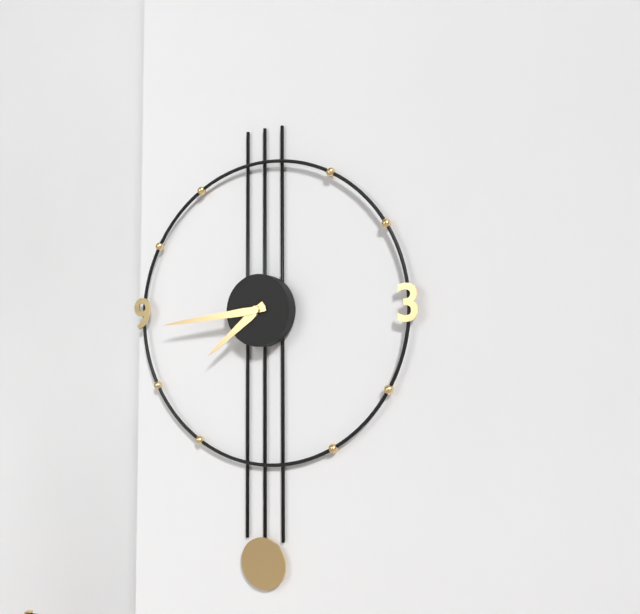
7:44
